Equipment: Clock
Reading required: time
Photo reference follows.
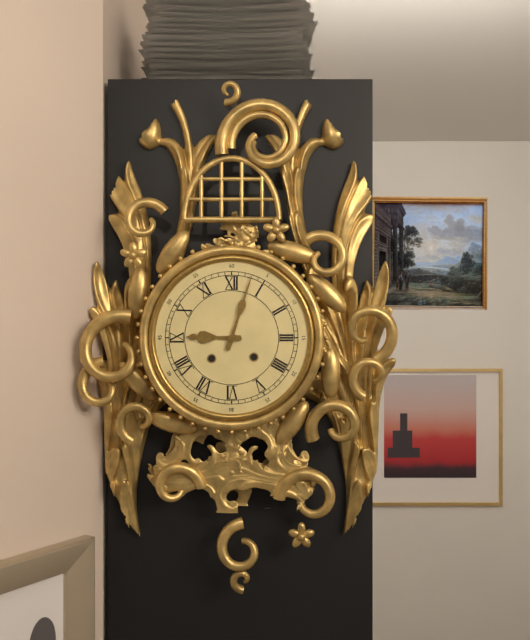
9:03
